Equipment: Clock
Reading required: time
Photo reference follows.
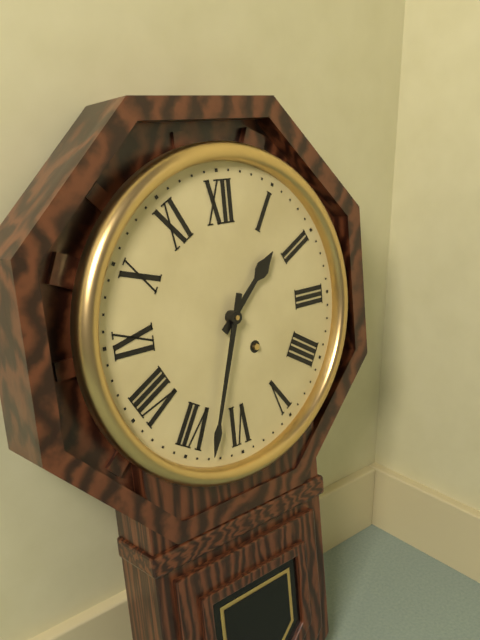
1:33
